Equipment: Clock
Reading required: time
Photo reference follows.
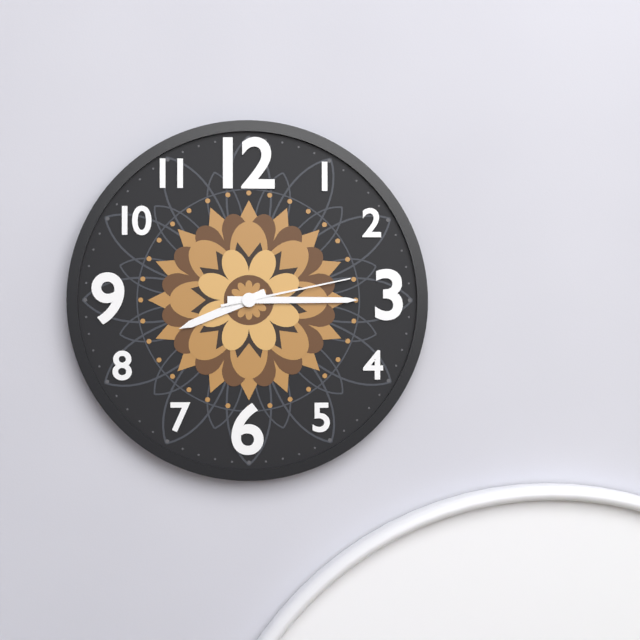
8:15:13
